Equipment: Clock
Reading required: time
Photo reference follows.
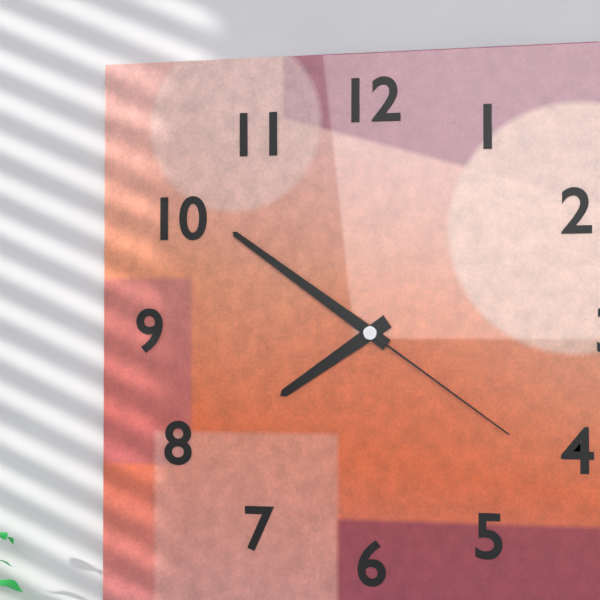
7:51:21
